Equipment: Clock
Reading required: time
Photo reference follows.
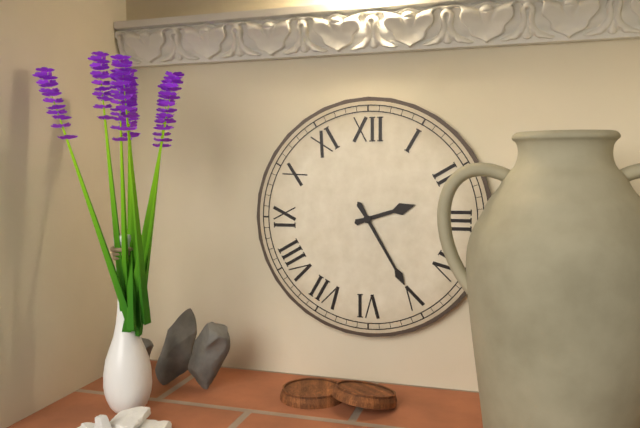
2:25
